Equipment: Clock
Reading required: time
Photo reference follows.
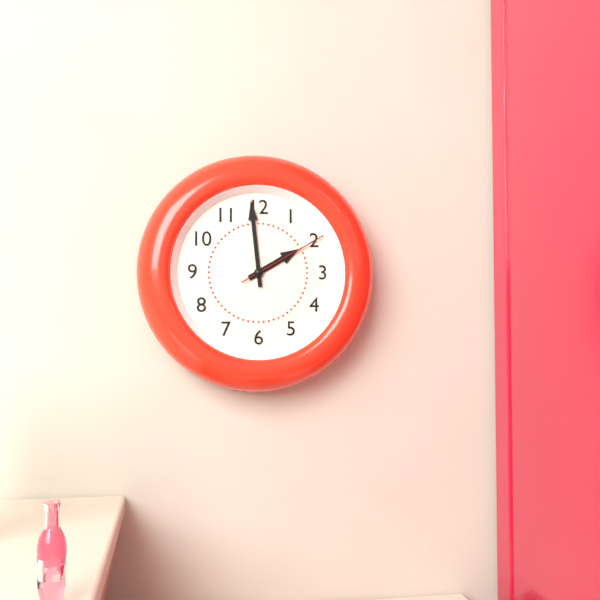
1:59:10
